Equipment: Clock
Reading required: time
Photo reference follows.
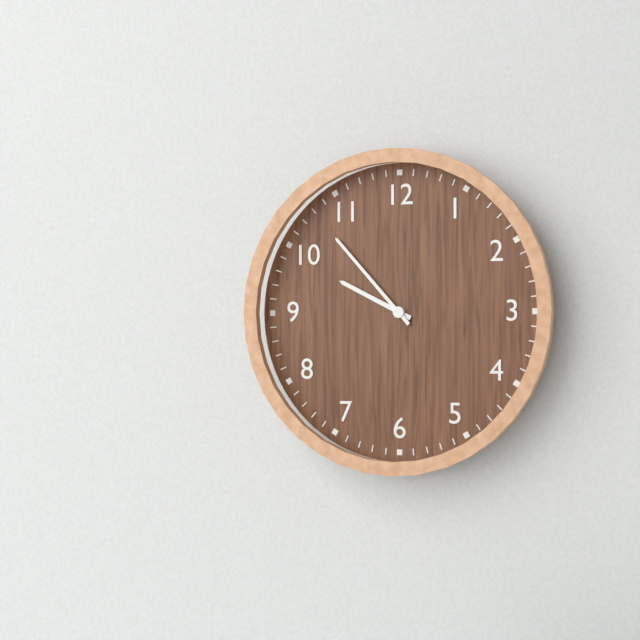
9:53
